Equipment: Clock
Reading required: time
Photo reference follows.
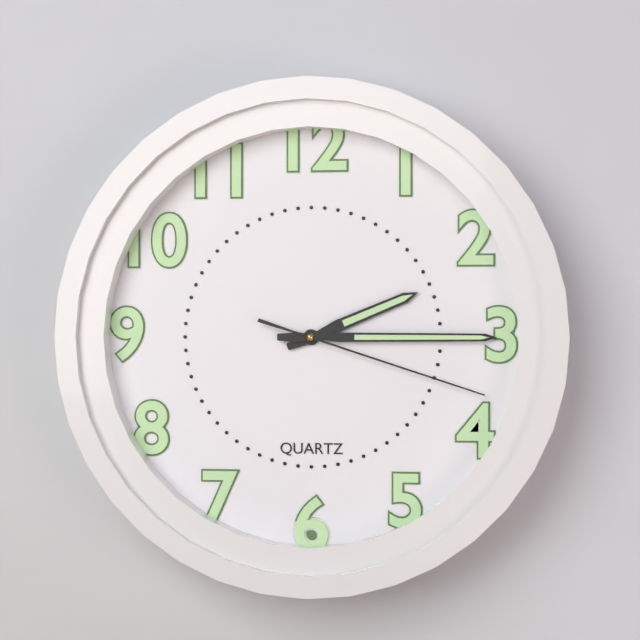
2:15:18
